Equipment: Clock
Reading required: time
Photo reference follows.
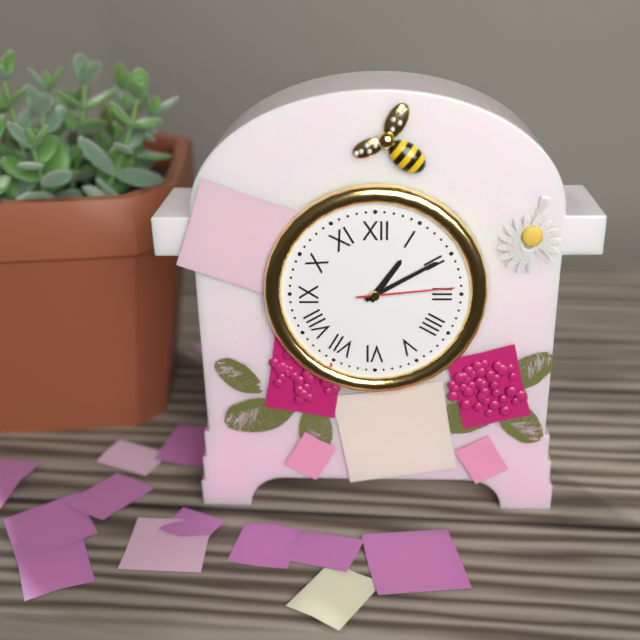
1:10:14
